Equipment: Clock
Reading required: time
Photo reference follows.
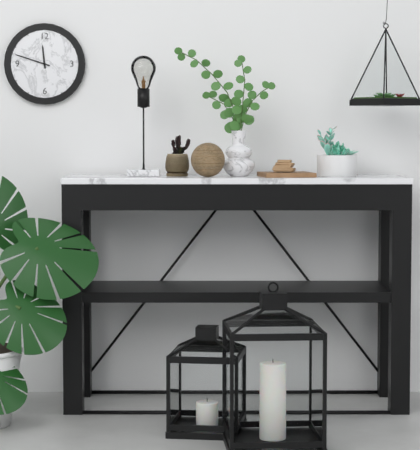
11:48
